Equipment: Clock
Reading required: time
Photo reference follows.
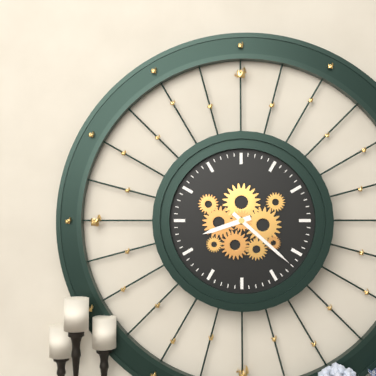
8:22
